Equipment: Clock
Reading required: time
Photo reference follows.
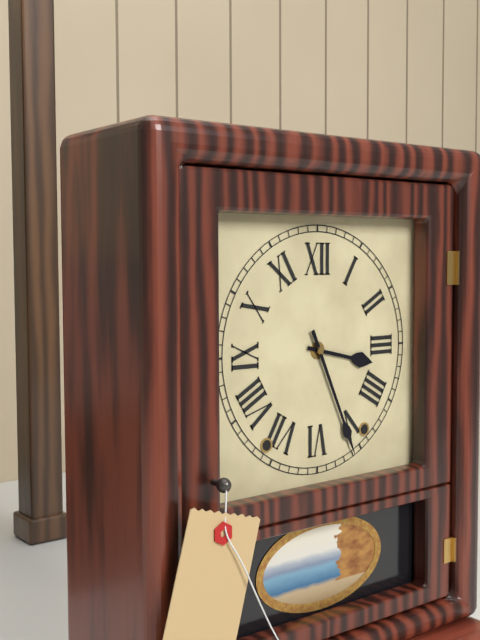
3:26
